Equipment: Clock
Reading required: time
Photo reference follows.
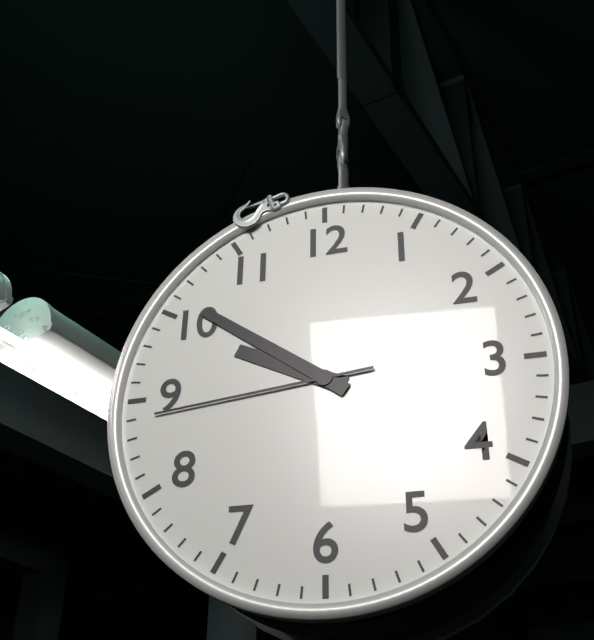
9:51:44
